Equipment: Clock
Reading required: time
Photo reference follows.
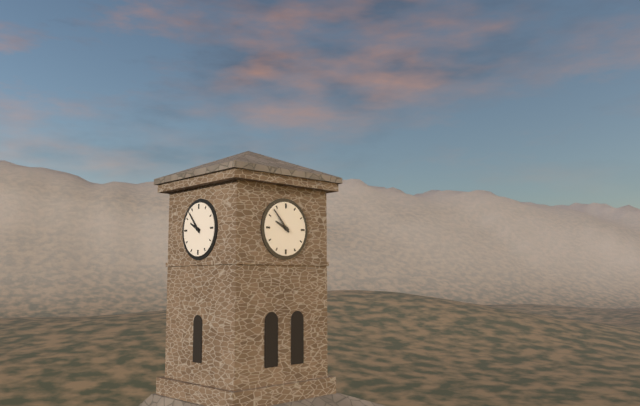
9:53
